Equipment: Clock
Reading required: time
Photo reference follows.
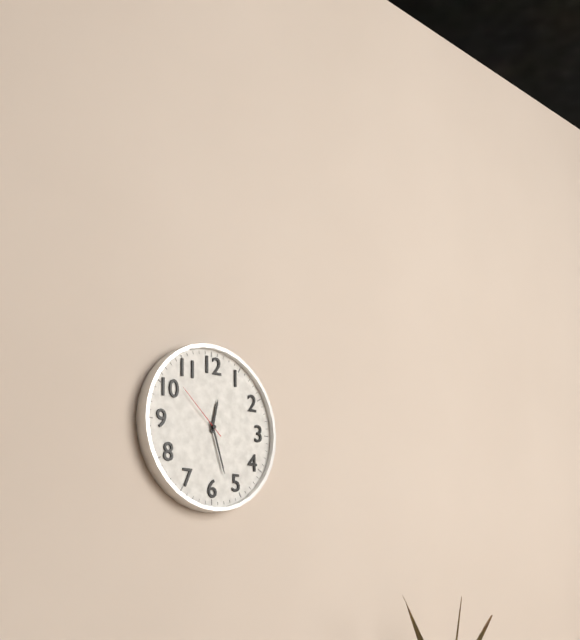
12:27:52
